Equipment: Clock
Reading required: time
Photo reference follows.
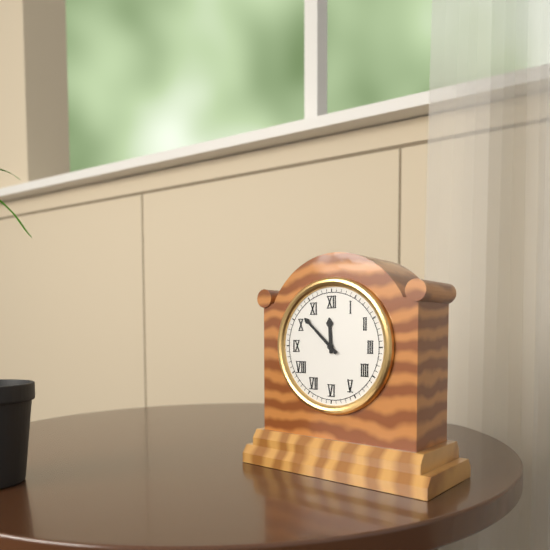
11:52
